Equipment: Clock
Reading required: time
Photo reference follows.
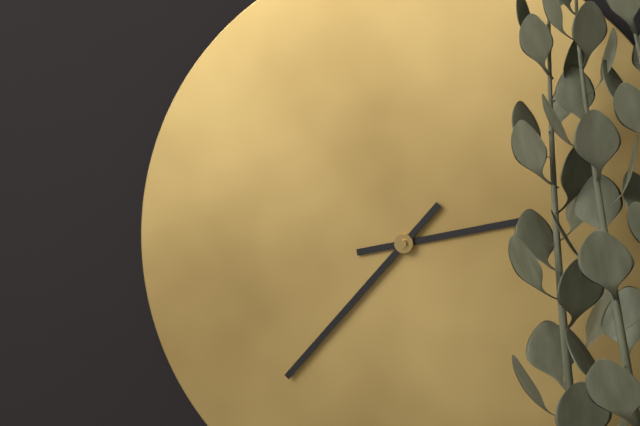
2:37
